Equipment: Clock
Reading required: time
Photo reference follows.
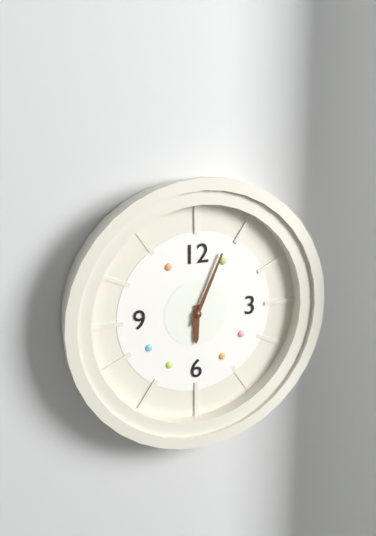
6:04
